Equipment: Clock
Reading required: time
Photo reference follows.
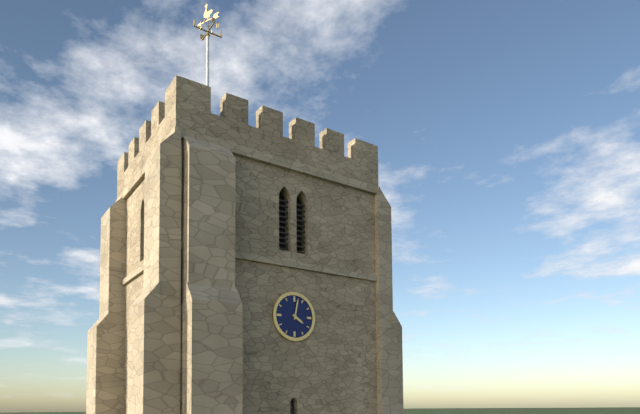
4:02
